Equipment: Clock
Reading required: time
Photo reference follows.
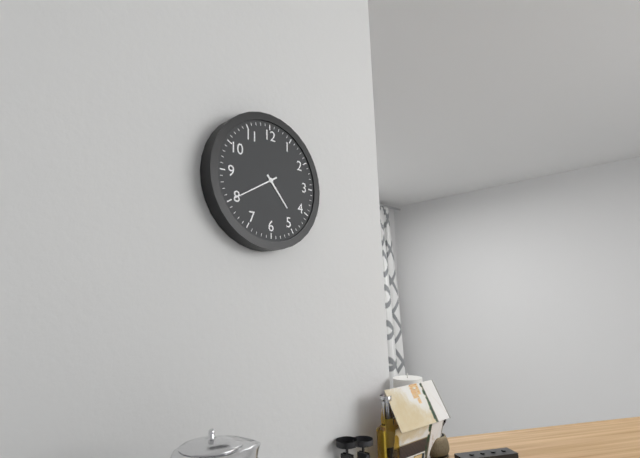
4:40
